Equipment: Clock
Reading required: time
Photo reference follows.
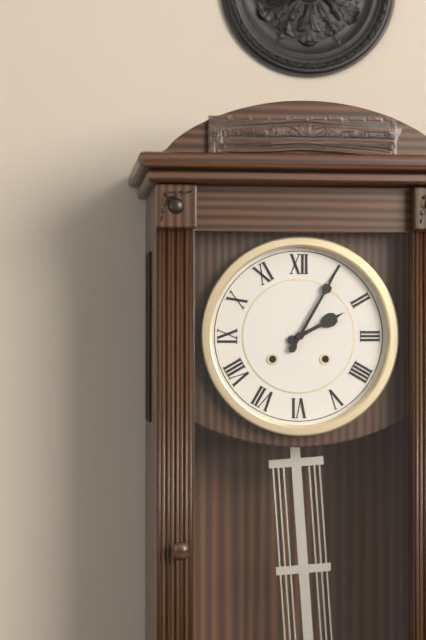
2:05
